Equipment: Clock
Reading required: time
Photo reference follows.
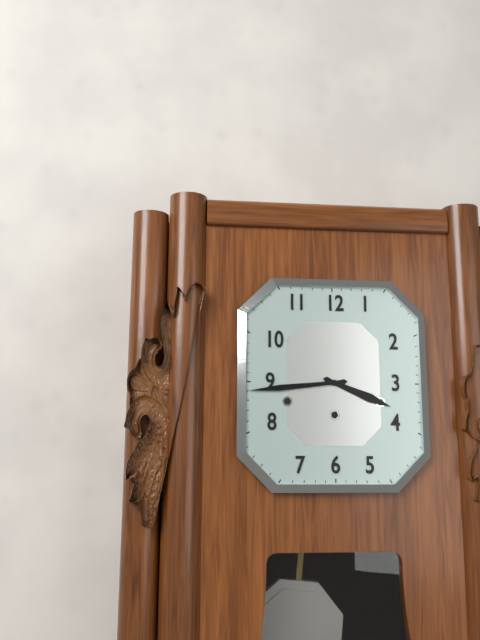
3:44
